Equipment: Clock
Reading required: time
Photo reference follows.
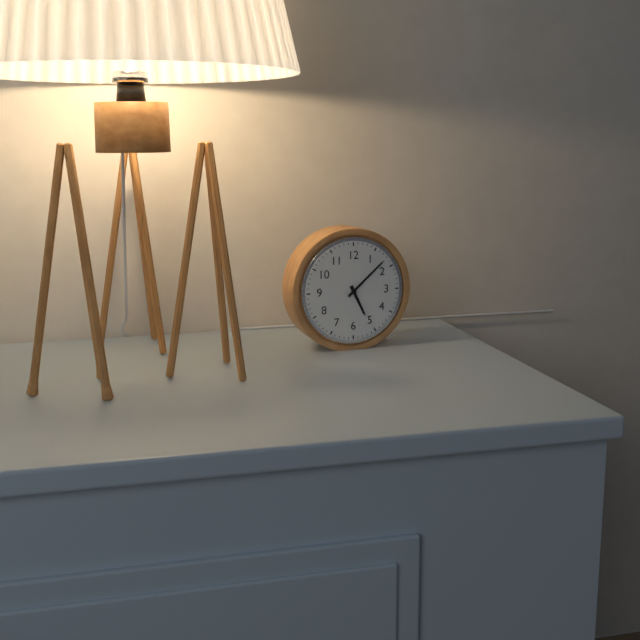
5:08
